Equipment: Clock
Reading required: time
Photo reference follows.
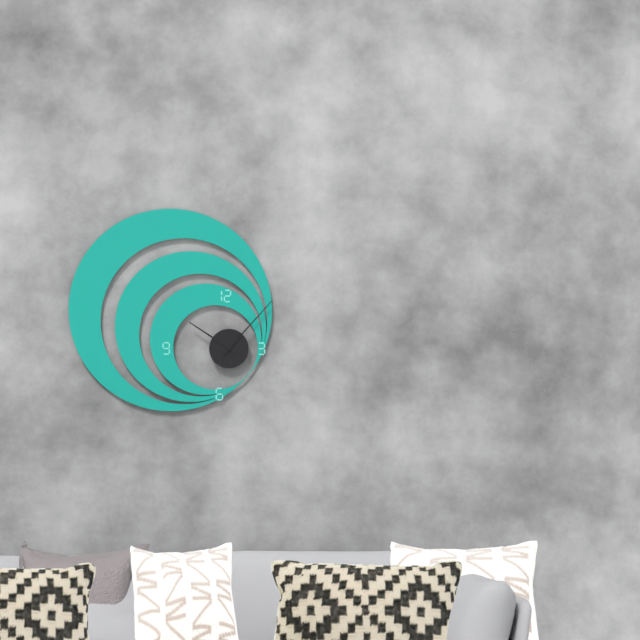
10:07
